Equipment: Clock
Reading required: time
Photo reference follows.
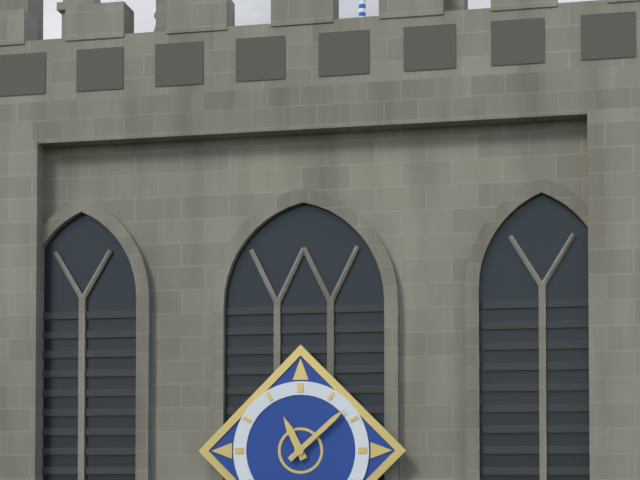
11:08
